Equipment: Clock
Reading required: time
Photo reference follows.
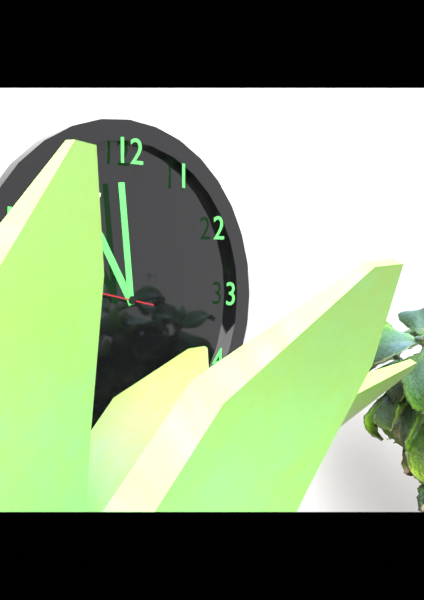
10:59
